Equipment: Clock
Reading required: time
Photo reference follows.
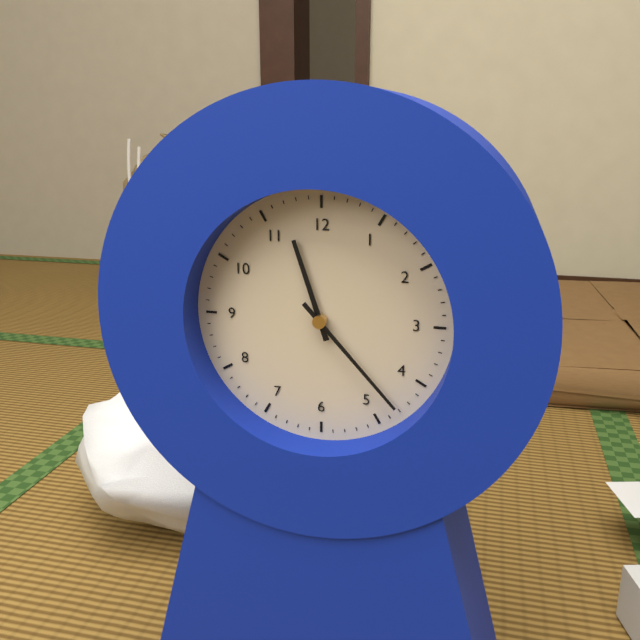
11:23
